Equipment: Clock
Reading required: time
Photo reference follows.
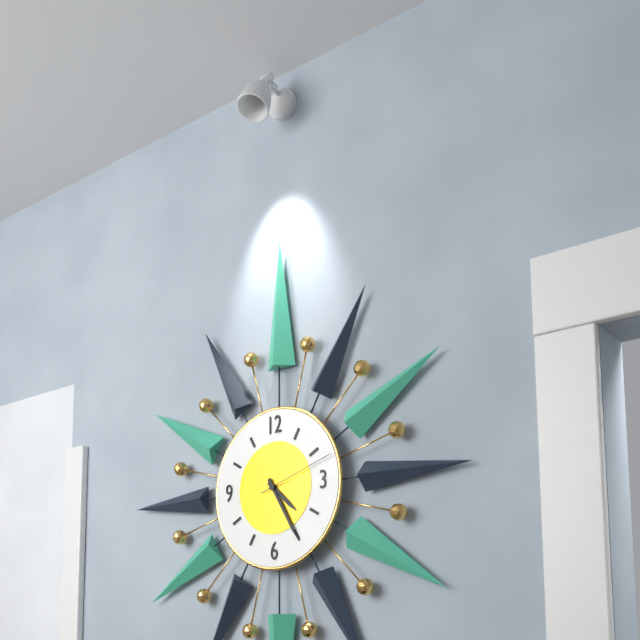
4:25:12
